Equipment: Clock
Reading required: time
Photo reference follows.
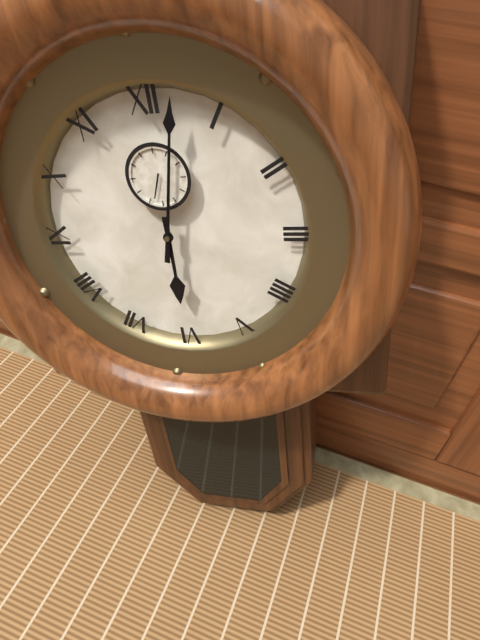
6:02
